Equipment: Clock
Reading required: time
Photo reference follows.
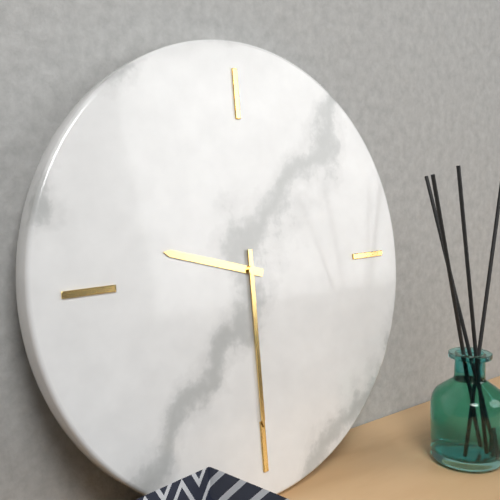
9:30
